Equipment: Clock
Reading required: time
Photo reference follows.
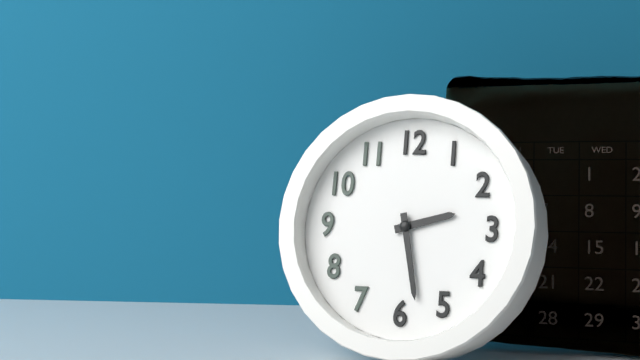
2:28
